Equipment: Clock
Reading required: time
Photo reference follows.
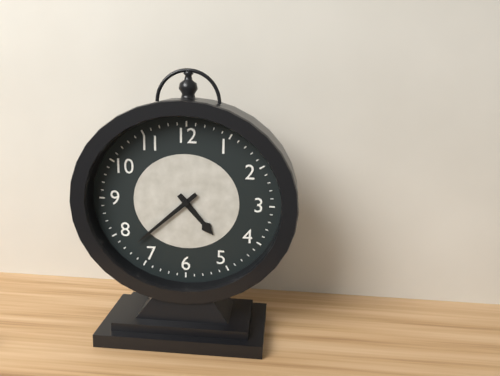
4:38
